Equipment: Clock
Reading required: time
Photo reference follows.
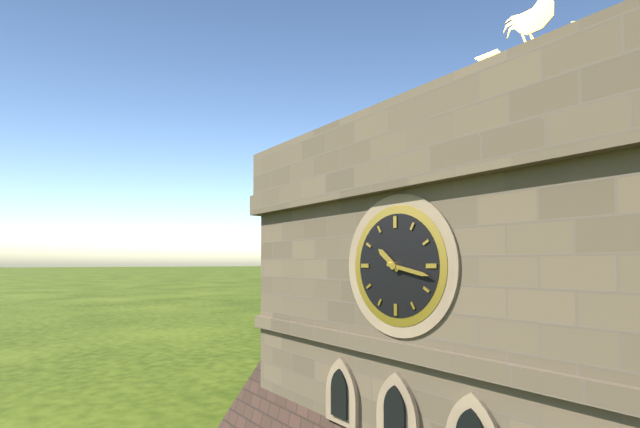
10:17
